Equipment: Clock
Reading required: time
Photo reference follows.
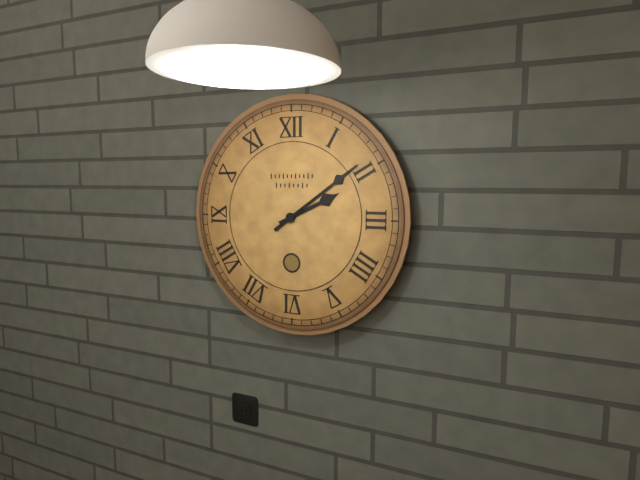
2:09
